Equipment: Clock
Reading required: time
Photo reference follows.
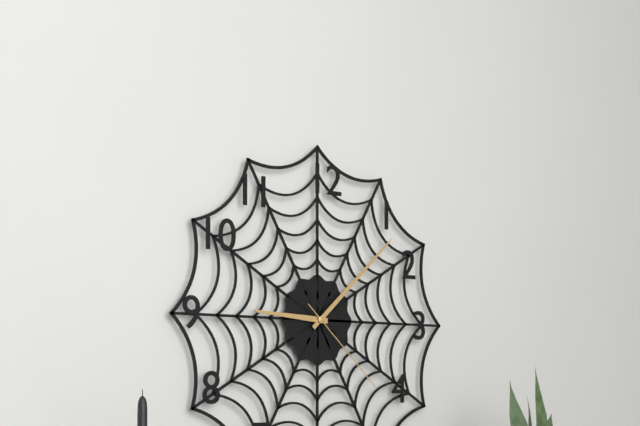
9:08:22
